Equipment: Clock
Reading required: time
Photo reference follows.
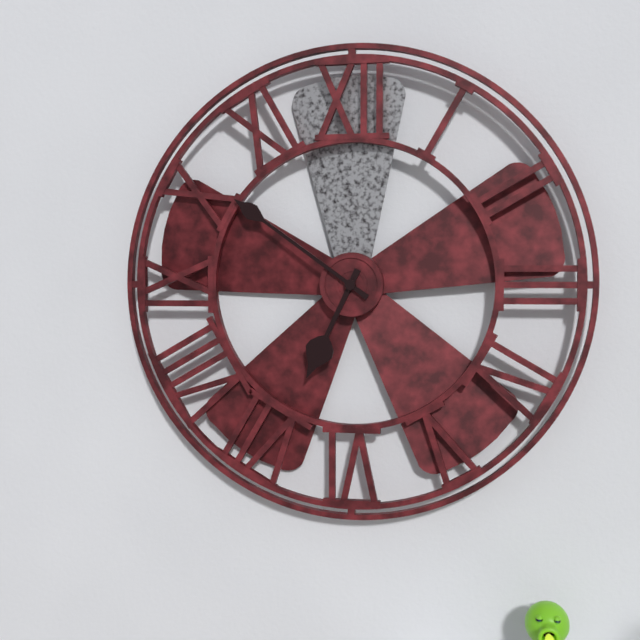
6:51
